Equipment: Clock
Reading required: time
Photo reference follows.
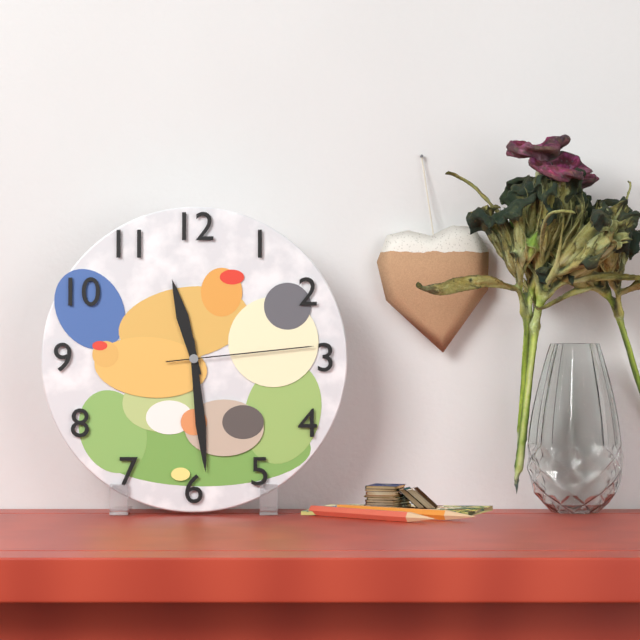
11:29:14
